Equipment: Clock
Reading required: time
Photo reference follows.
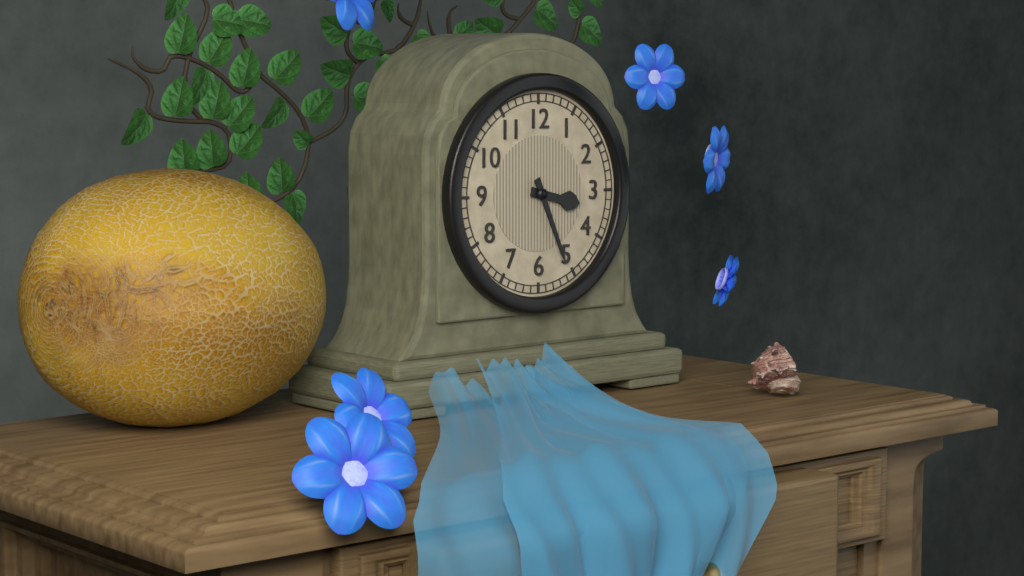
3:26
